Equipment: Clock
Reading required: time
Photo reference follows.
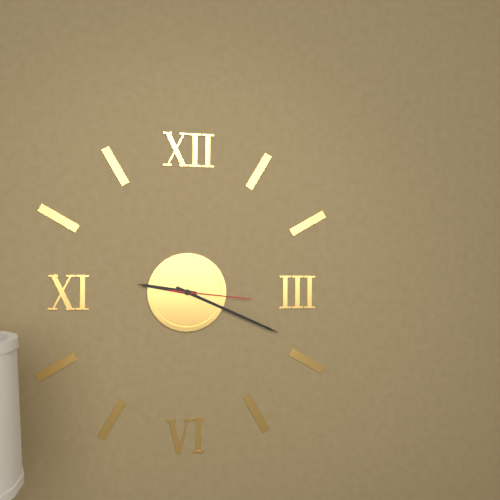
9:19:16
